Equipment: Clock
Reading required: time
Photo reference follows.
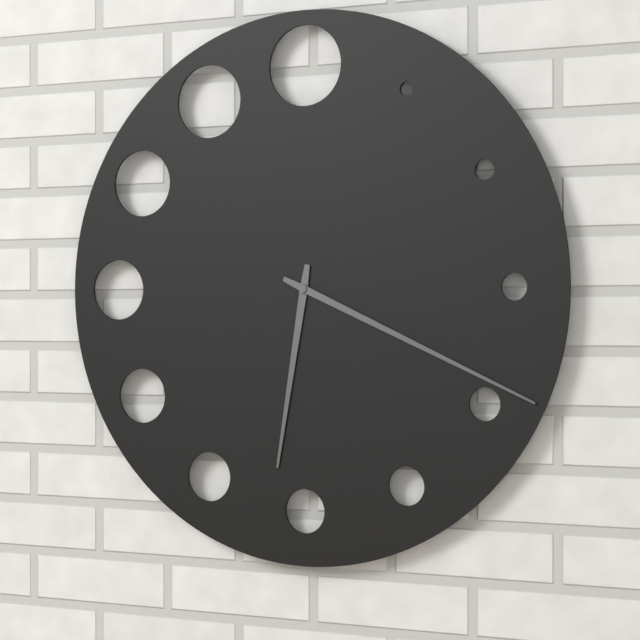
6:19
